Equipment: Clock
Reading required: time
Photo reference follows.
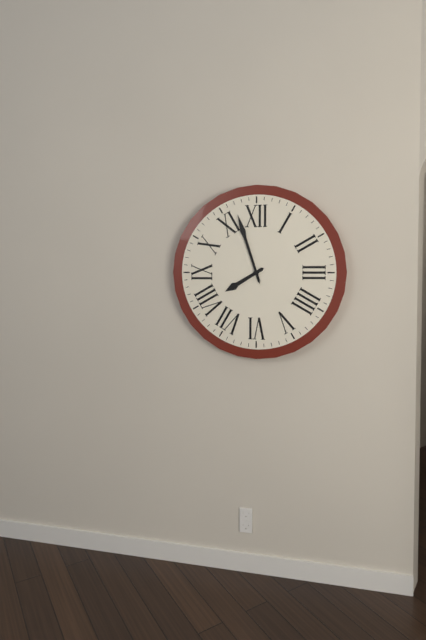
7:57
